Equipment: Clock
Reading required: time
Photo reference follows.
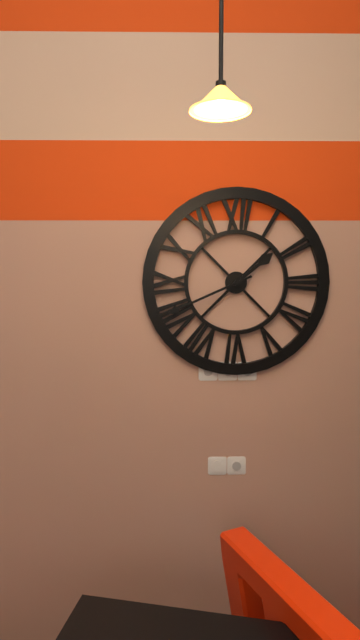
1:41
